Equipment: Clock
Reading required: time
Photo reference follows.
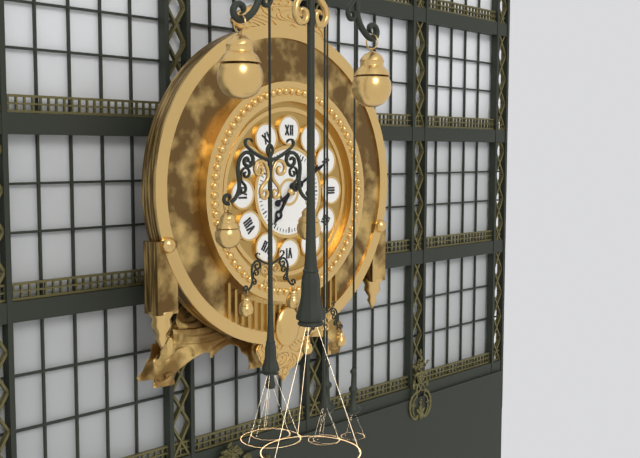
7:10
